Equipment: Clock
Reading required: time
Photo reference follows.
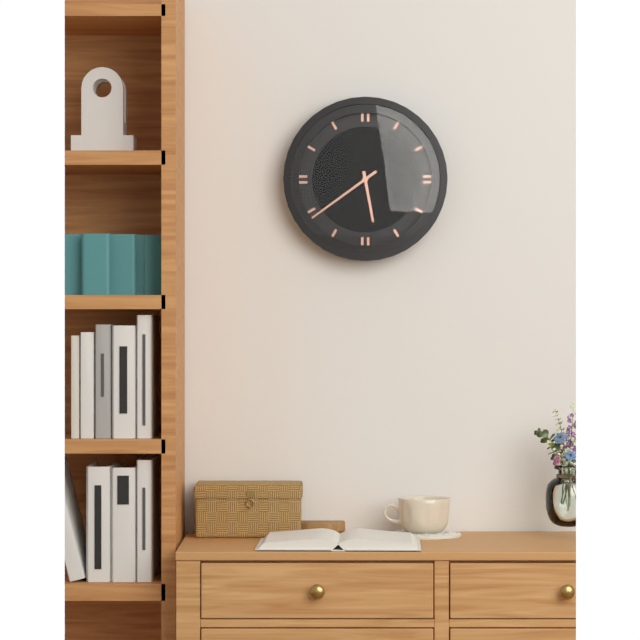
5:39
